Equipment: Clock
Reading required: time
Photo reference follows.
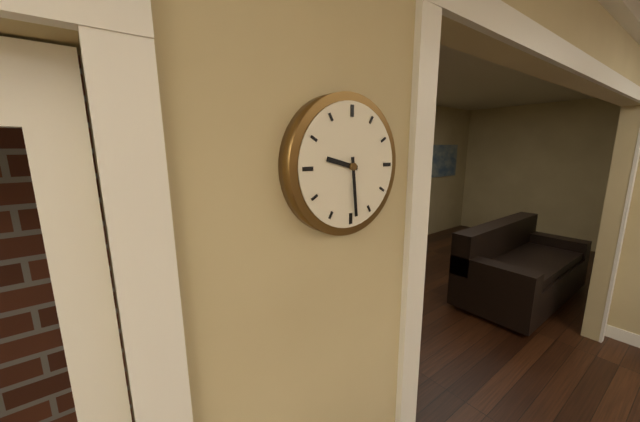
9:29
